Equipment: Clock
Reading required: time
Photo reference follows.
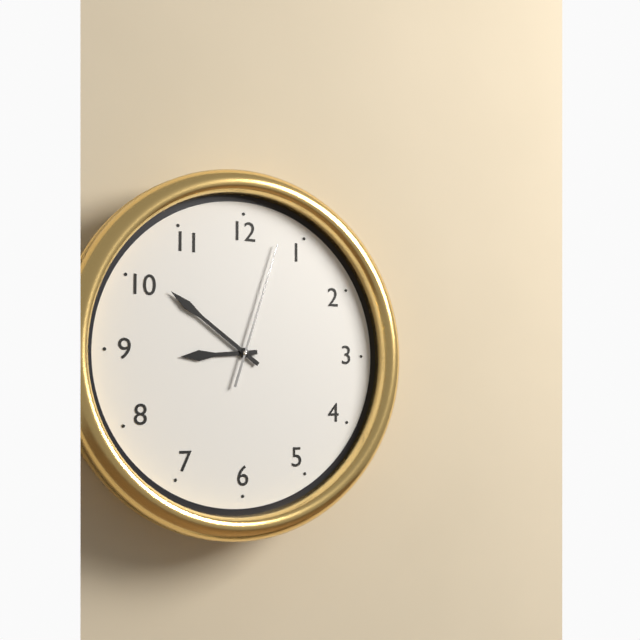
8:51:03
